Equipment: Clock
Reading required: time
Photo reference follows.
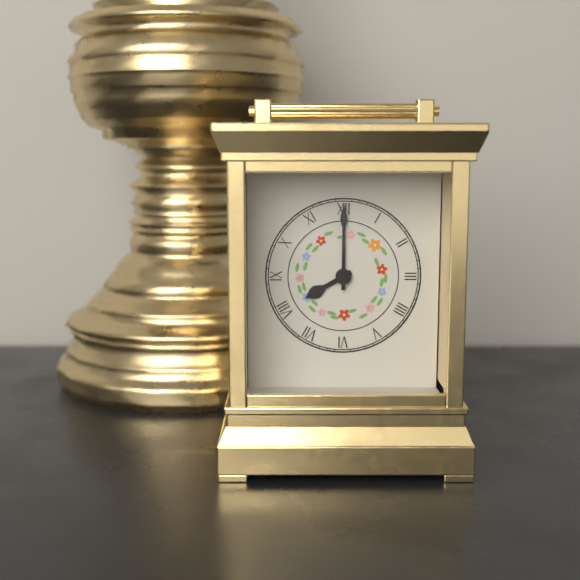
8:00
